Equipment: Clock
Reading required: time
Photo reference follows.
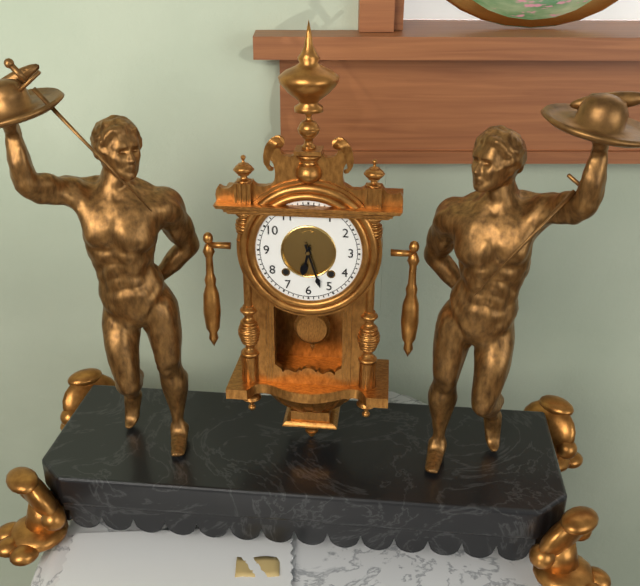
6:27
